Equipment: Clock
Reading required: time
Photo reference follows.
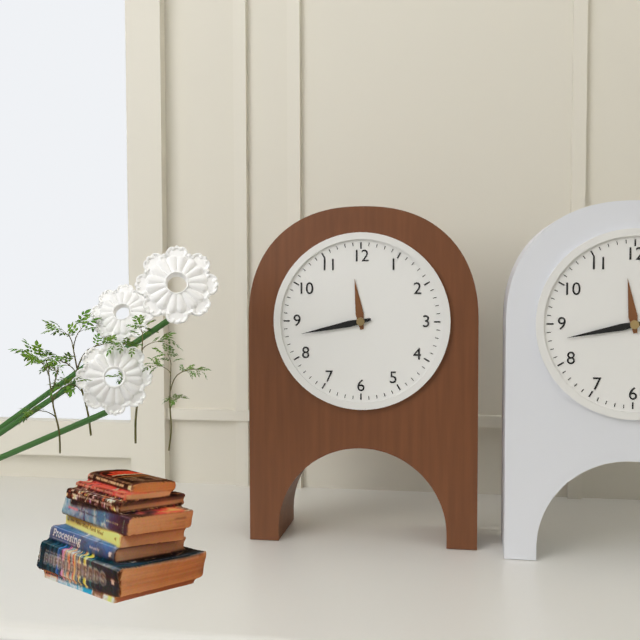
11:43
